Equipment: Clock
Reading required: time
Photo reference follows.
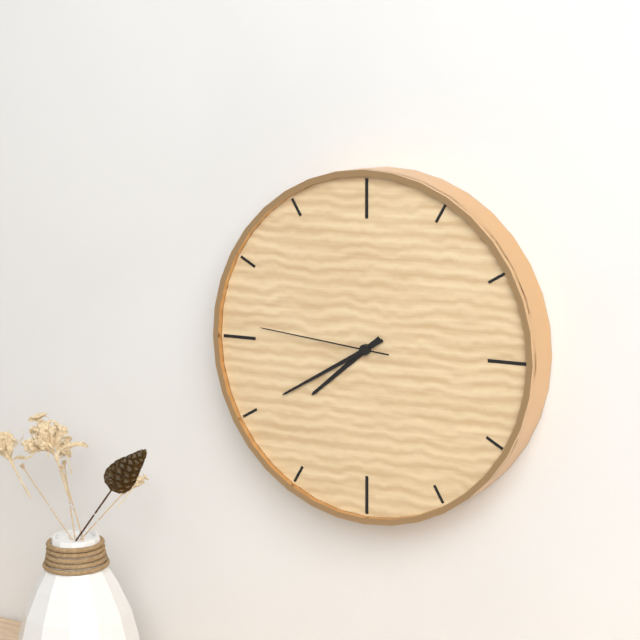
7:40:46
